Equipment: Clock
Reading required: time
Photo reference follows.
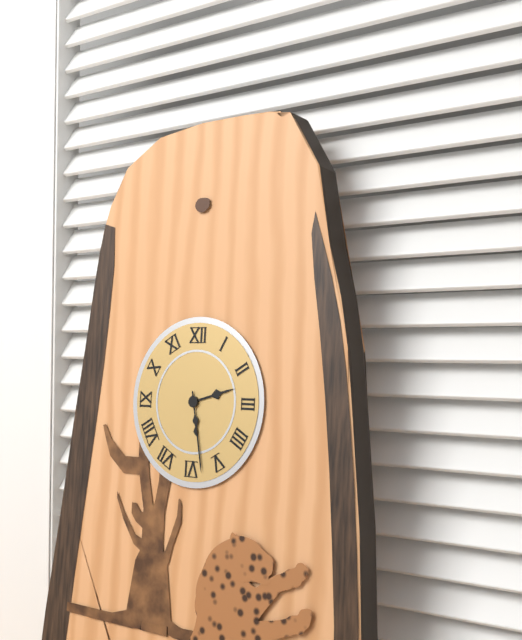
2:28
